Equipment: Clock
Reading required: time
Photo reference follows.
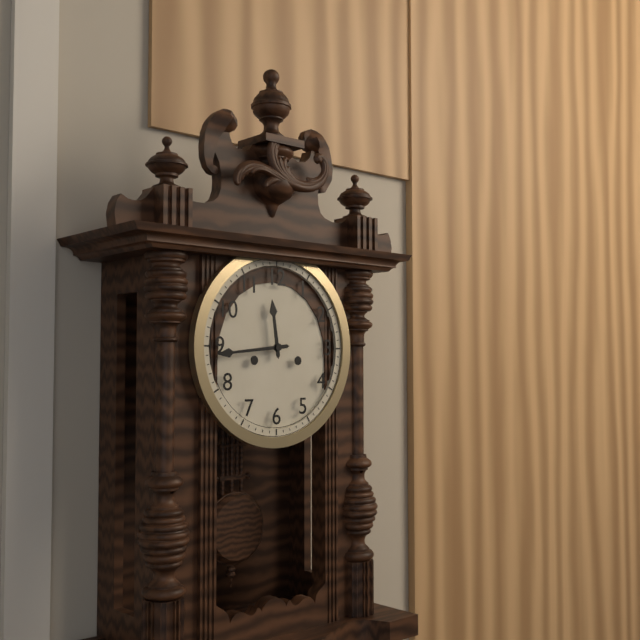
11:44
